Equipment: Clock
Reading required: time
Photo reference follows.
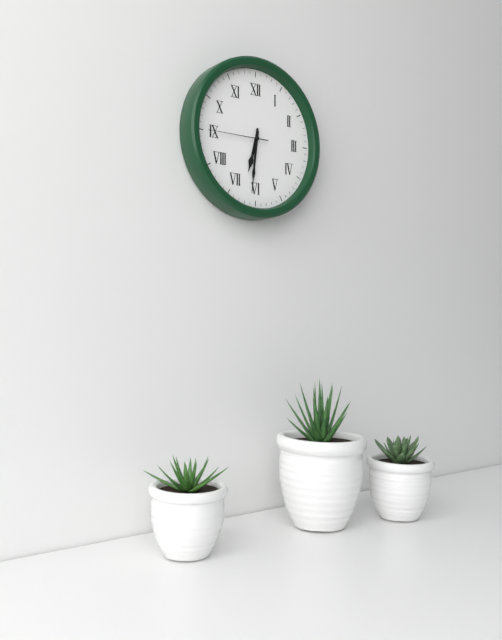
6:31:45
